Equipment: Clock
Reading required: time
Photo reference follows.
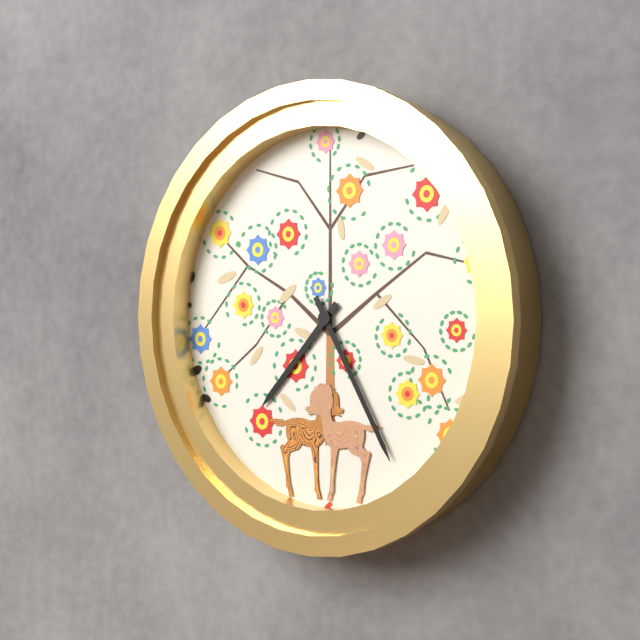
7:25
